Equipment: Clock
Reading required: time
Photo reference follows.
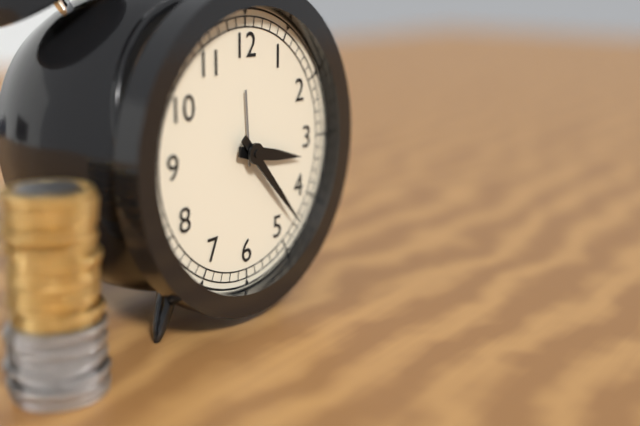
3:23
